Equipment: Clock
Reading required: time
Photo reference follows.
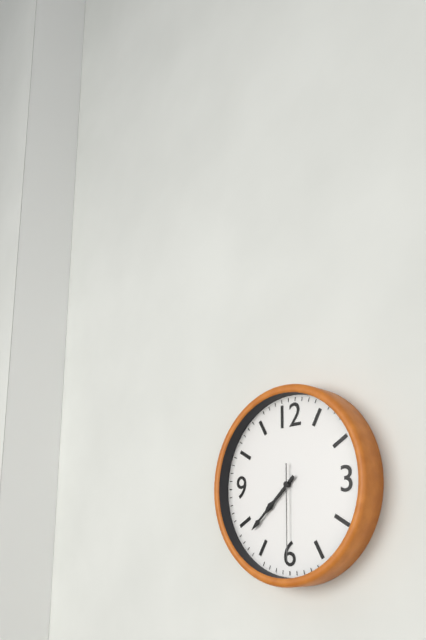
7:38:30
